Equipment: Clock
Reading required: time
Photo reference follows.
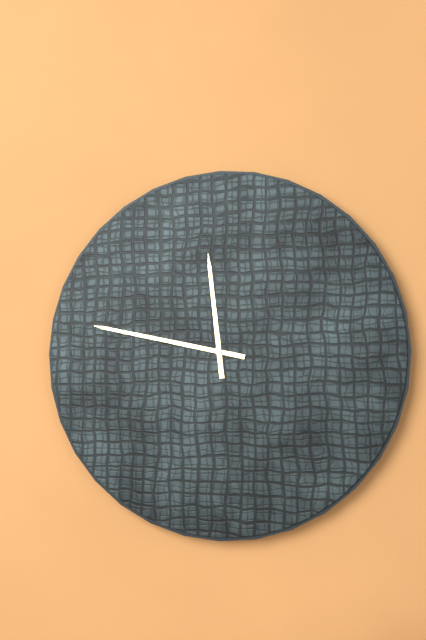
11:47
